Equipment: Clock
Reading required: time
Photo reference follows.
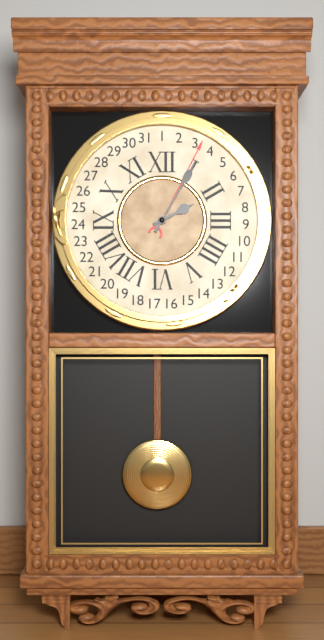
2:05
